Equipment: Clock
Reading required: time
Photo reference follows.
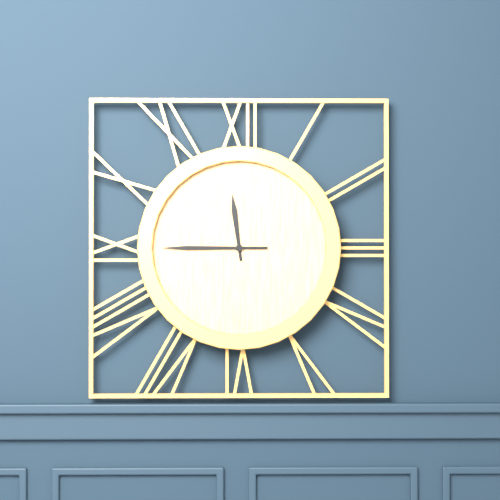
11:45
